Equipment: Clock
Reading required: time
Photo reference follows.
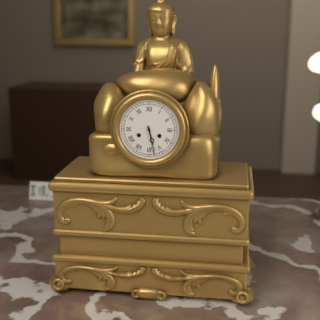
5:28
